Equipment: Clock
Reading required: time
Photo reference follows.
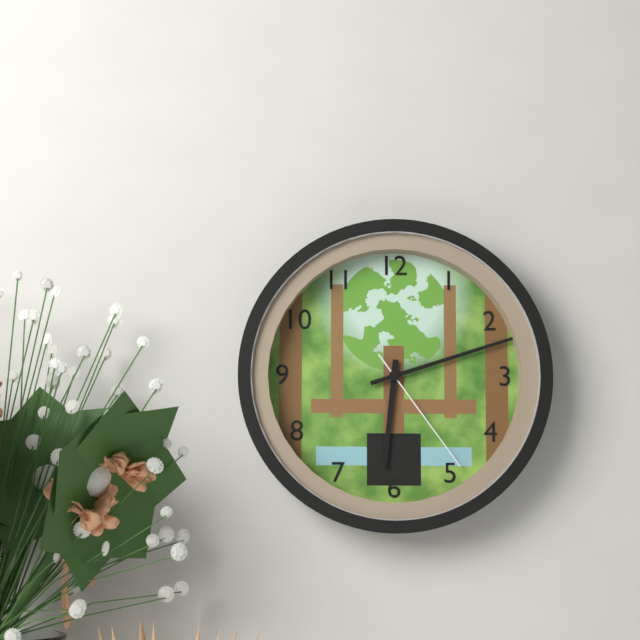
6:12:24
